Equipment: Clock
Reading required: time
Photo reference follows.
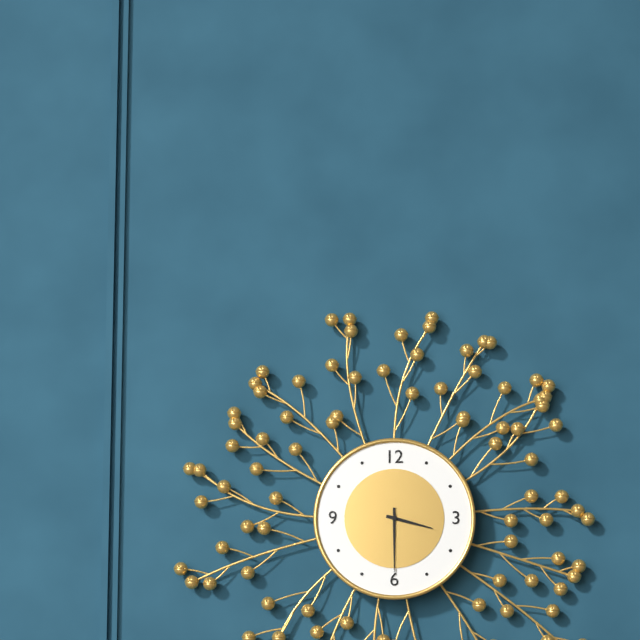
3:30
